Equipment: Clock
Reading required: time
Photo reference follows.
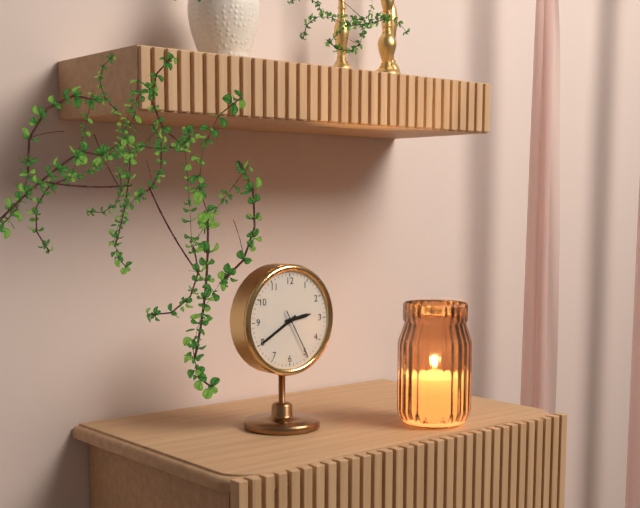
2:40
